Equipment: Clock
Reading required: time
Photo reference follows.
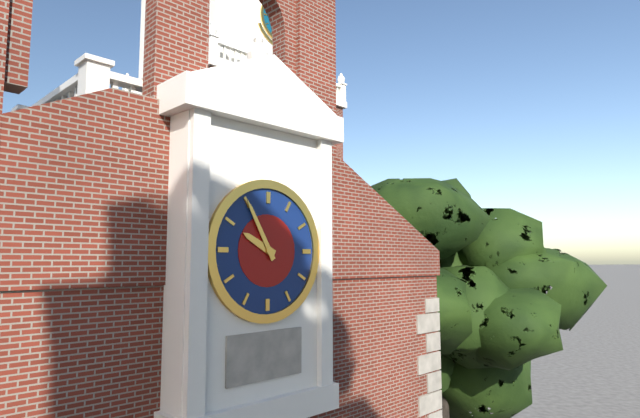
9:55
